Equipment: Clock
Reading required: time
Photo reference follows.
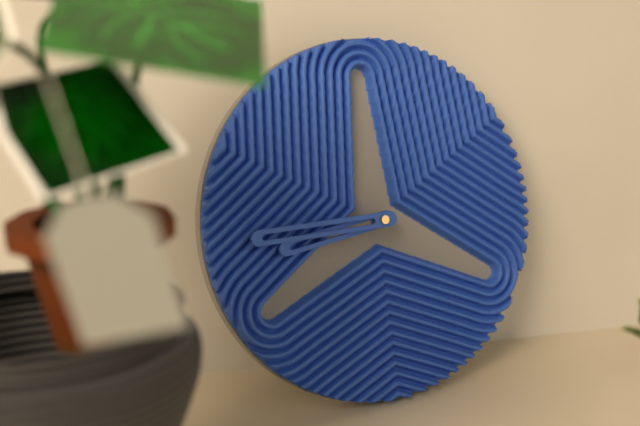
8:45
